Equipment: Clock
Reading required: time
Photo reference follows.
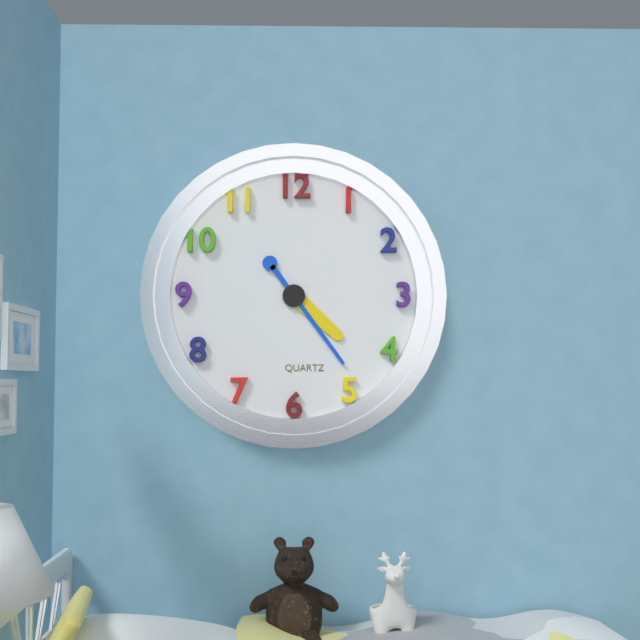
4:24
